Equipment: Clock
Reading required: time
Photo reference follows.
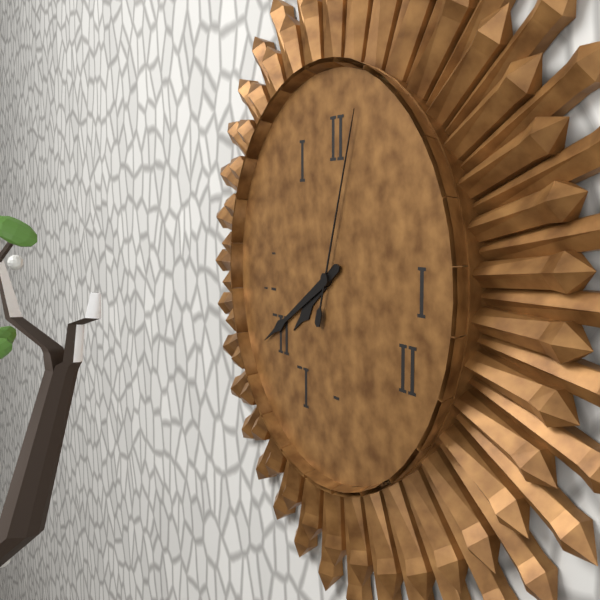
7:40:03
